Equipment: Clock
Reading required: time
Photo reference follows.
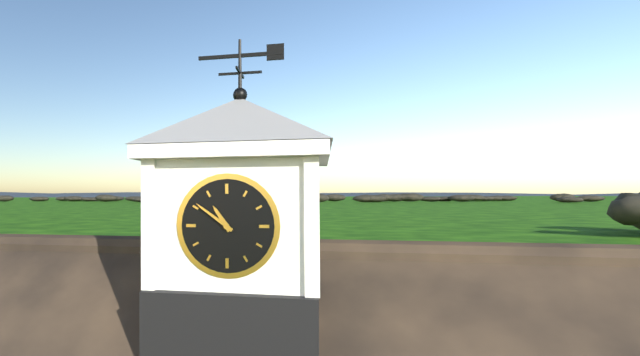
10:51
